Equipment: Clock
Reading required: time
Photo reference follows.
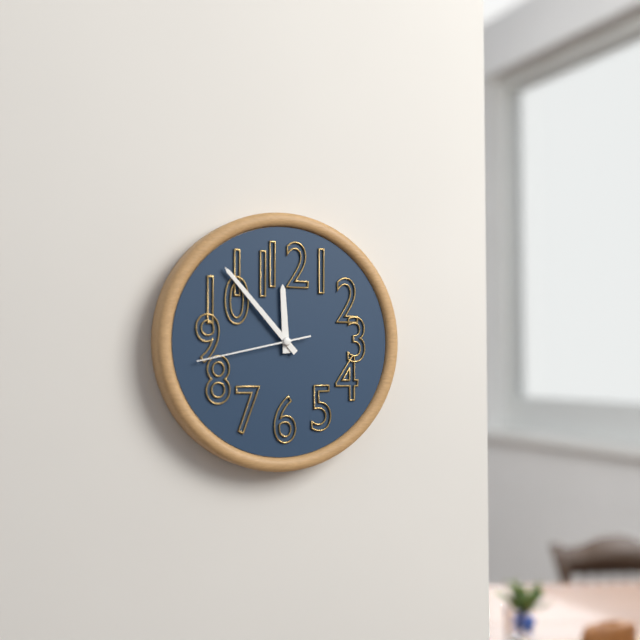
11:53:43
